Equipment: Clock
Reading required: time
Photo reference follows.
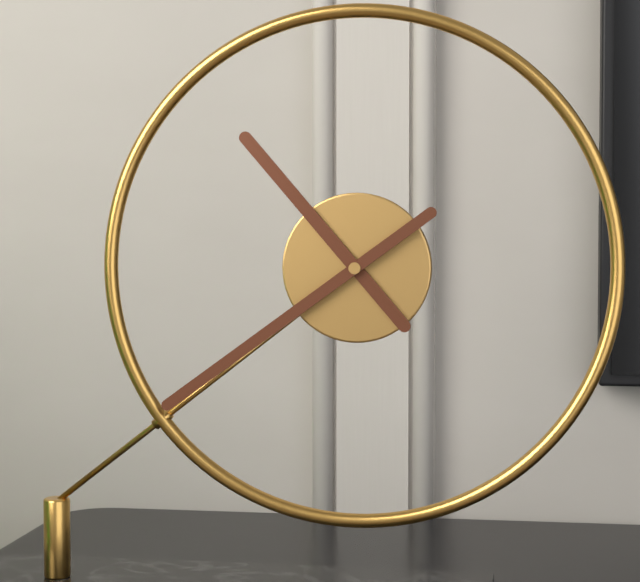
10:39
